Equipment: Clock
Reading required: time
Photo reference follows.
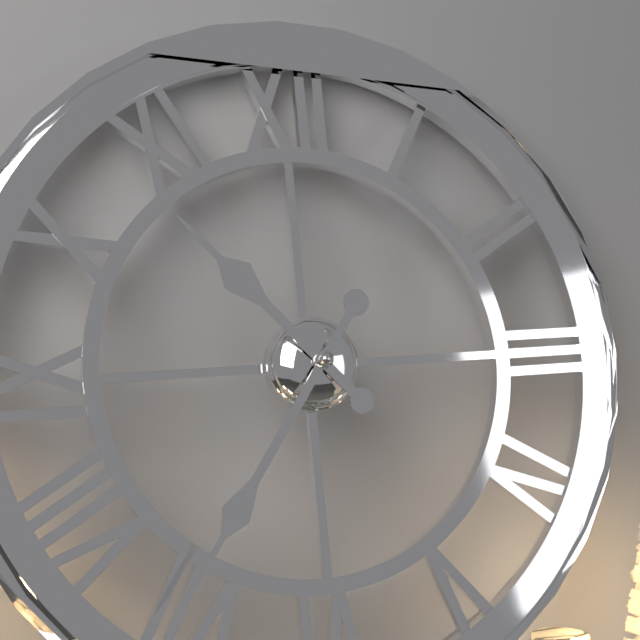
10:36
